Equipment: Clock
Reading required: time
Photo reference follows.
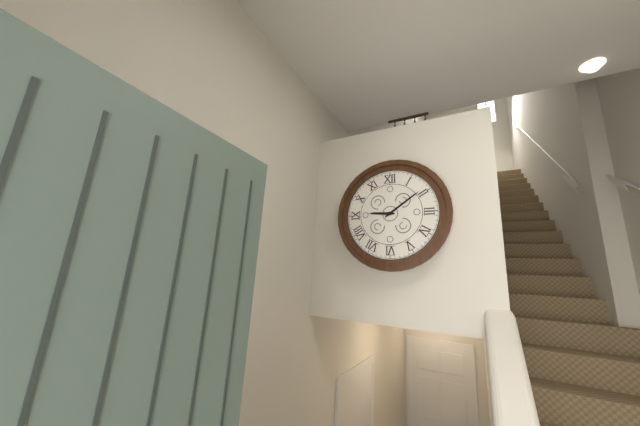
9:09
